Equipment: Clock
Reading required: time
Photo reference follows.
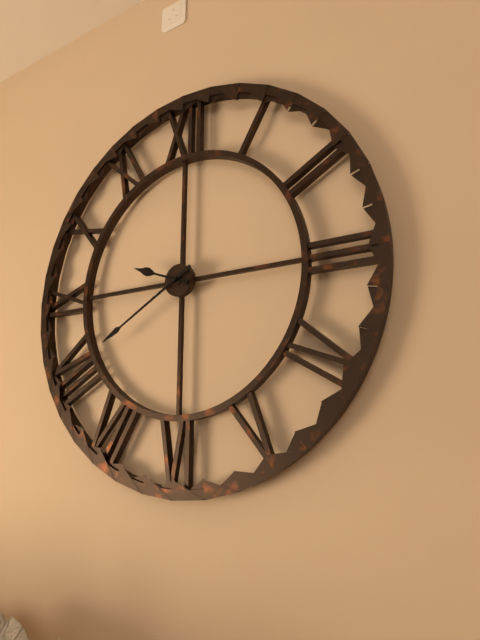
9:40
